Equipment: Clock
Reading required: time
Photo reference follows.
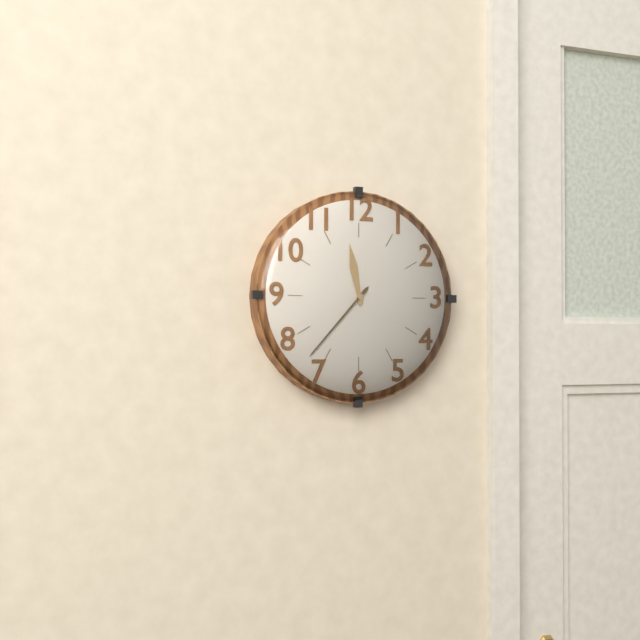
11:37
